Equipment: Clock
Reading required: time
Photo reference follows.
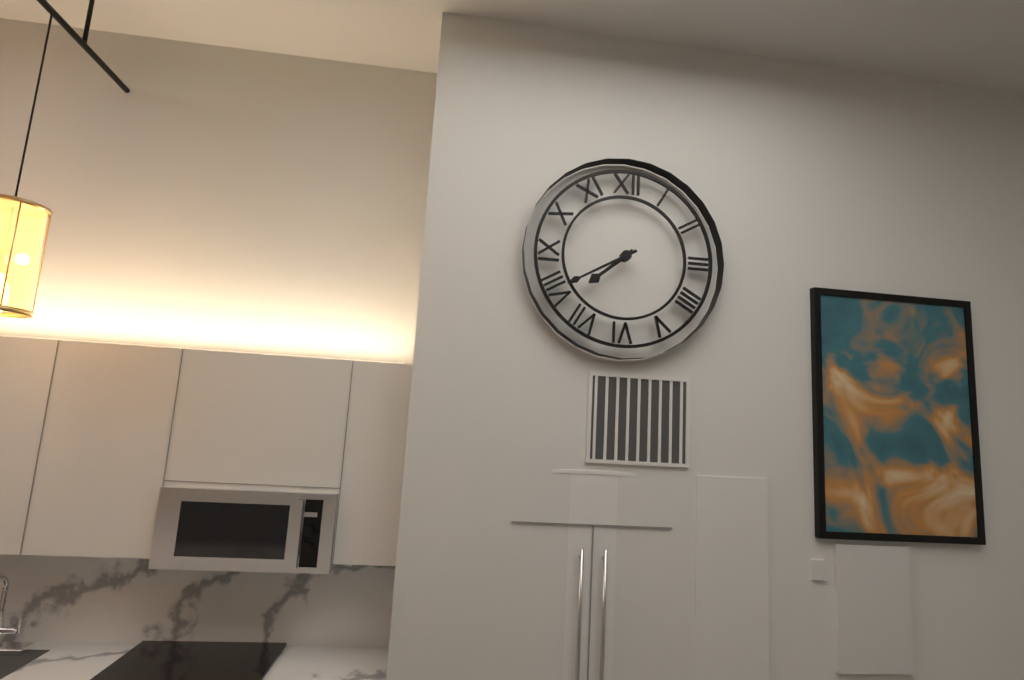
7:40
